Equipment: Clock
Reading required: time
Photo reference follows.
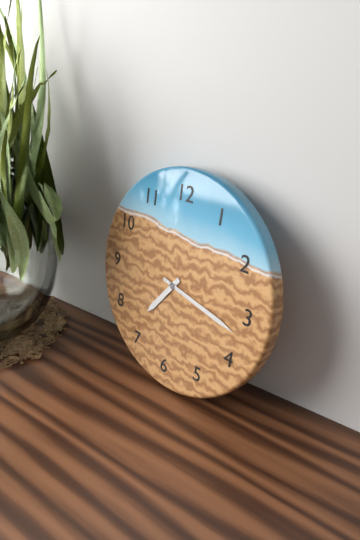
7:17
